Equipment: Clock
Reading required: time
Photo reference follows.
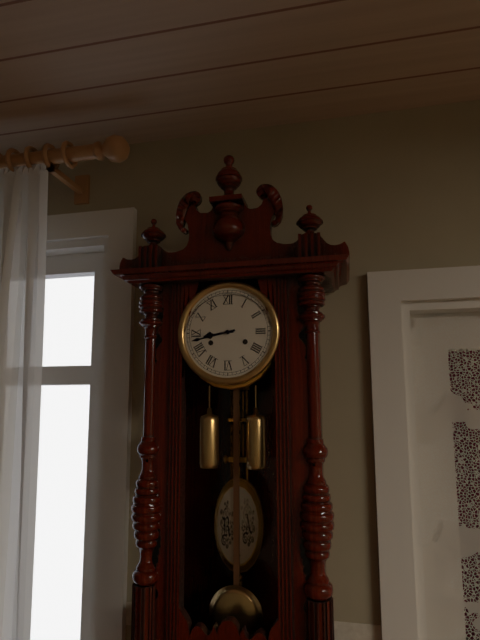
8:43
